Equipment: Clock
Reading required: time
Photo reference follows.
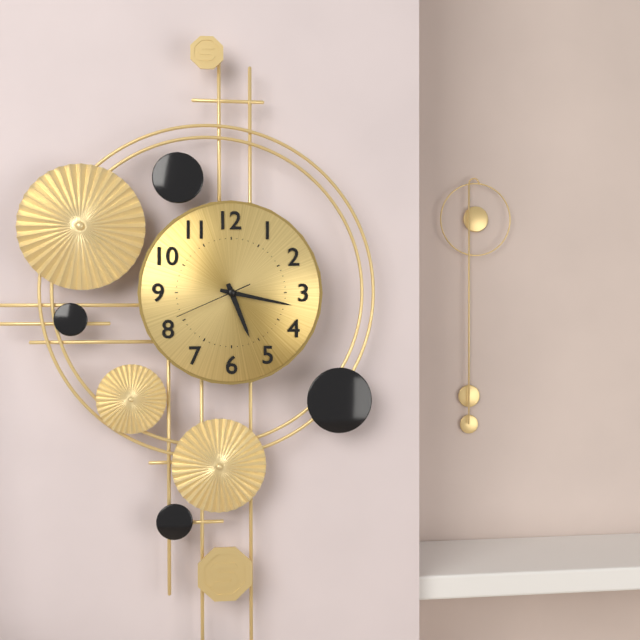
5:17:41
